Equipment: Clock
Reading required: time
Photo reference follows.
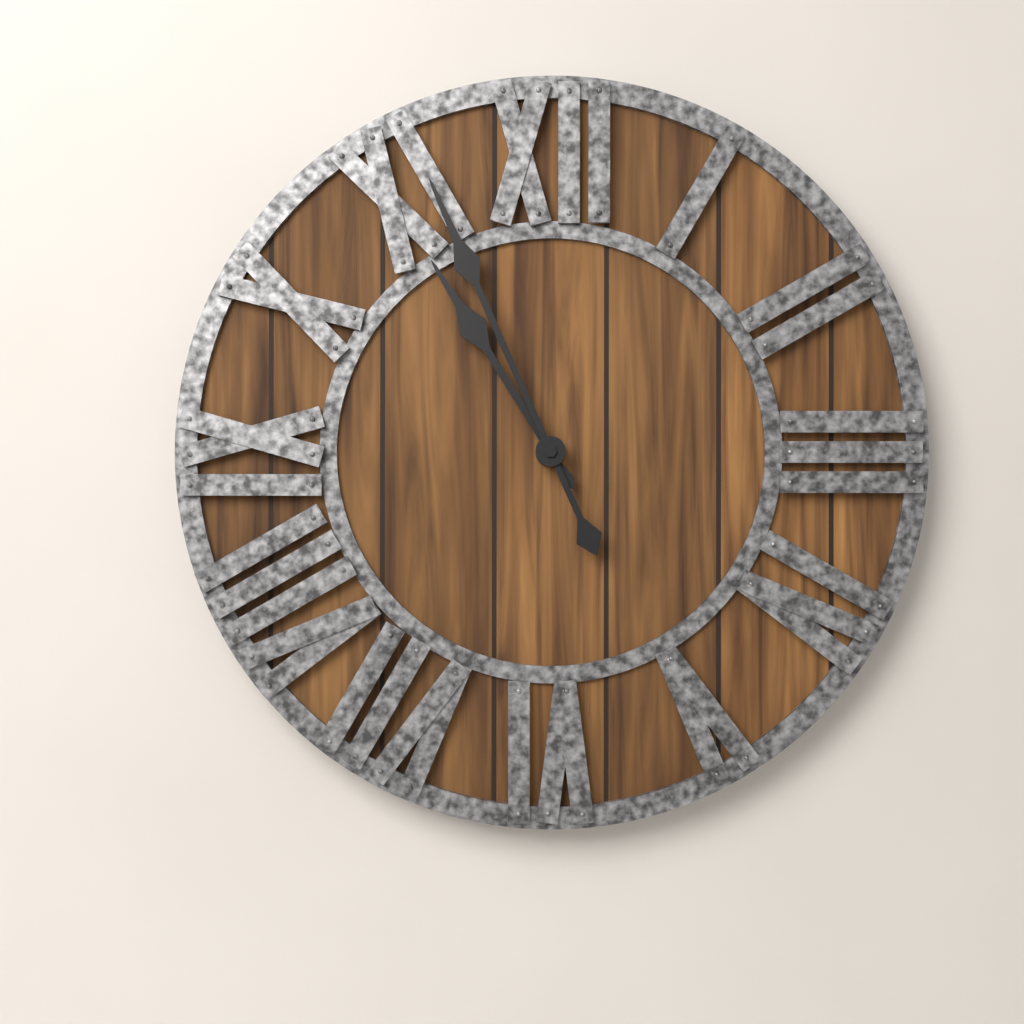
10:56
